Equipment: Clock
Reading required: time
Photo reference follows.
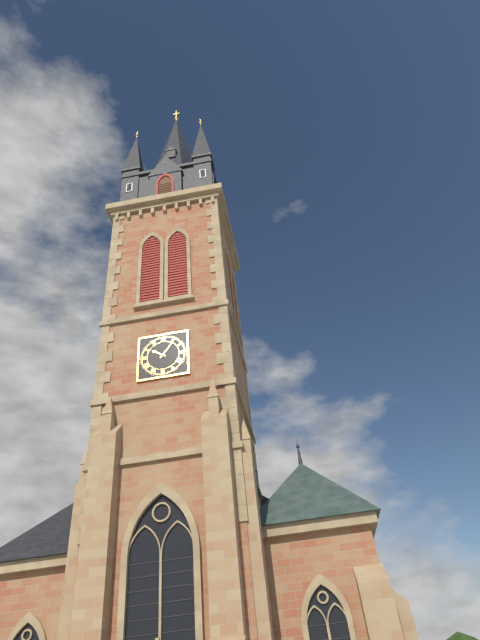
10:06
